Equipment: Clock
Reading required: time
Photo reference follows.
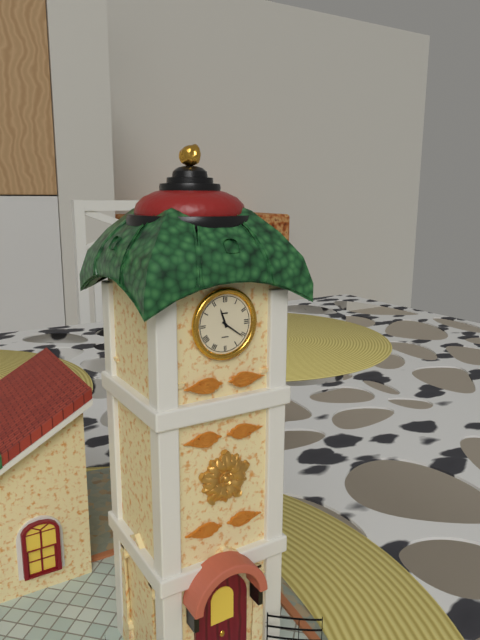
11:21
